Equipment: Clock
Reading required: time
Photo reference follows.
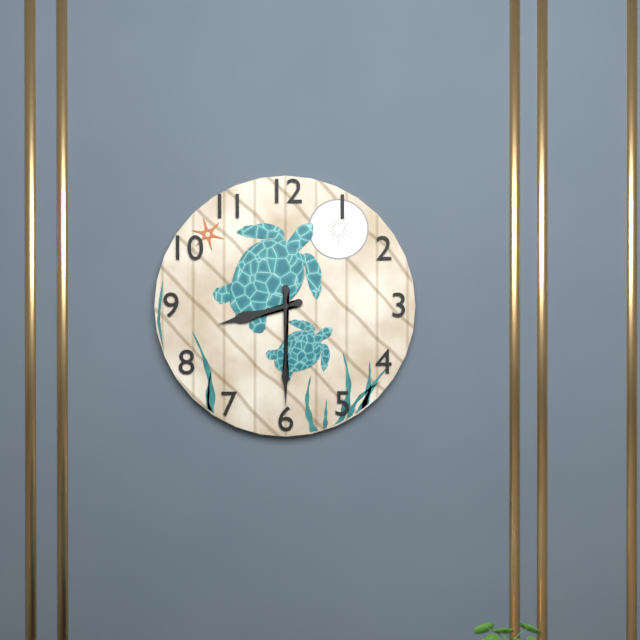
8:30
